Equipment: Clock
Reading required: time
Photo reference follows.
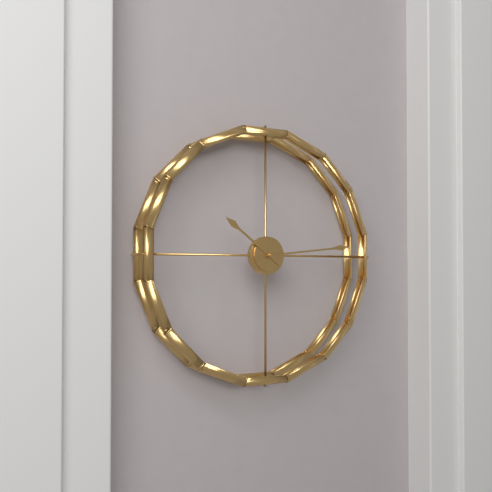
10:14
